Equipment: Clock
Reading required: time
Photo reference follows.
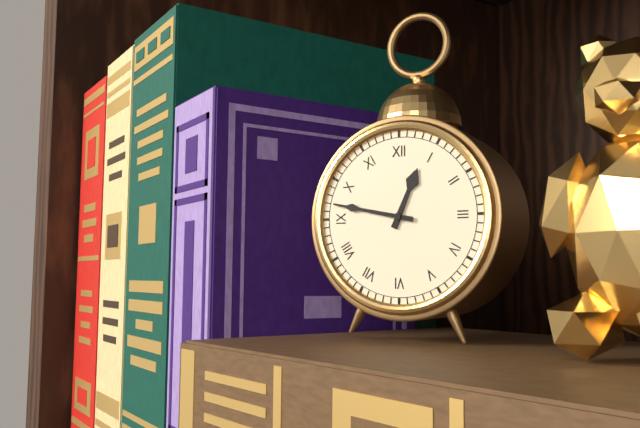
12:47
